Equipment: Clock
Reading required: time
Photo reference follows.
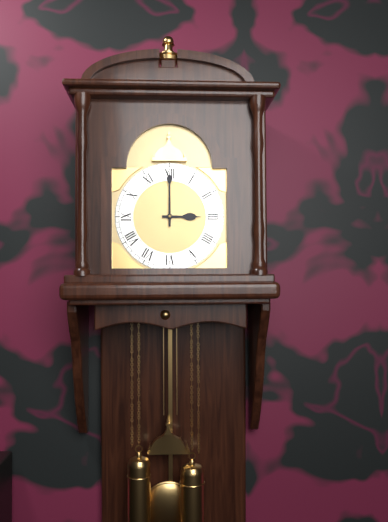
3:00
